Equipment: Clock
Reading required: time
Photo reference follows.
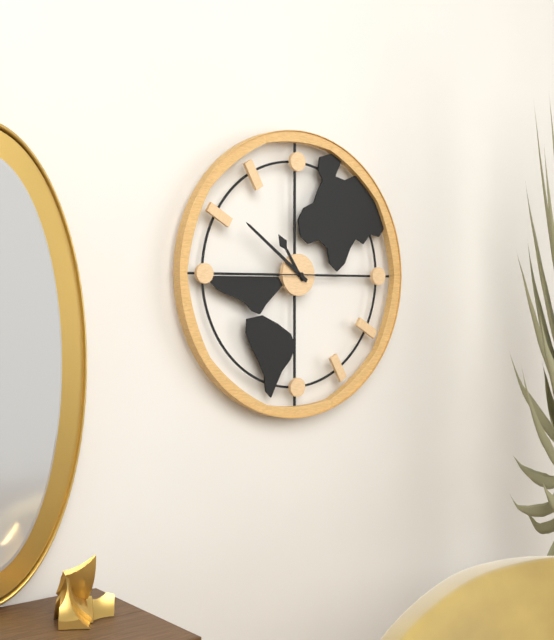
10:51:45
